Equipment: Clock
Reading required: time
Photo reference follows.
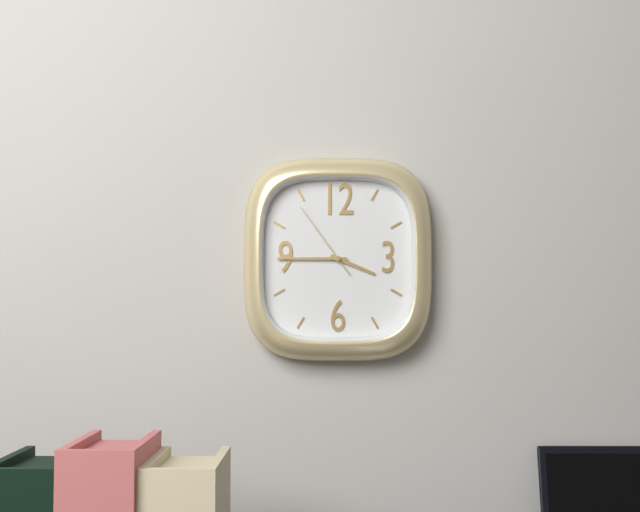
3:45:54
